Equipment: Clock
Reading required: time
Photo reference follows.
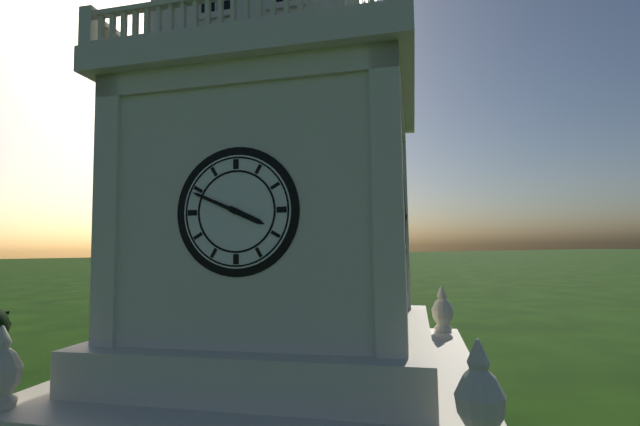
3:49
